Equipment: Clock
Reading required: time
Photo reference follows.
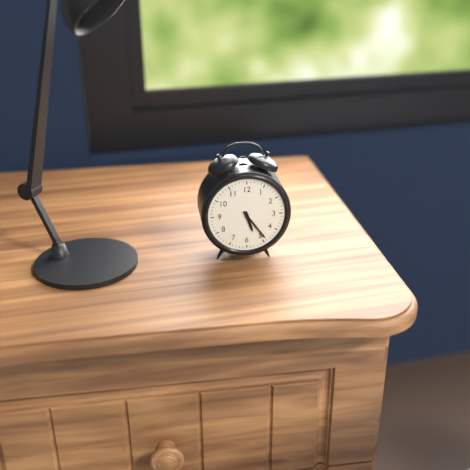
5:24
